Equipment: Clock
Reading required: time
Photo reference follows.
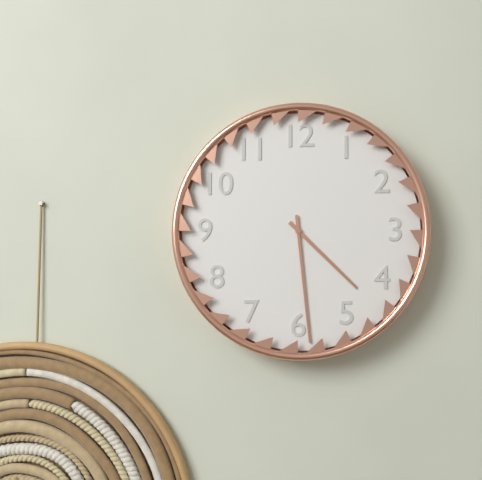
4:29
